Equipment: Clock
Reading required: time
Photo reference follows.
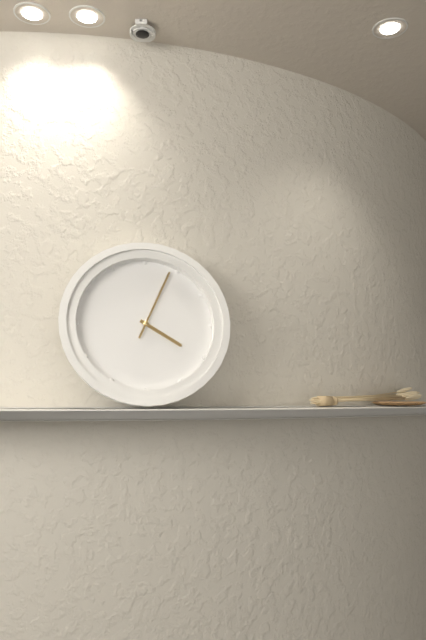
4:04
